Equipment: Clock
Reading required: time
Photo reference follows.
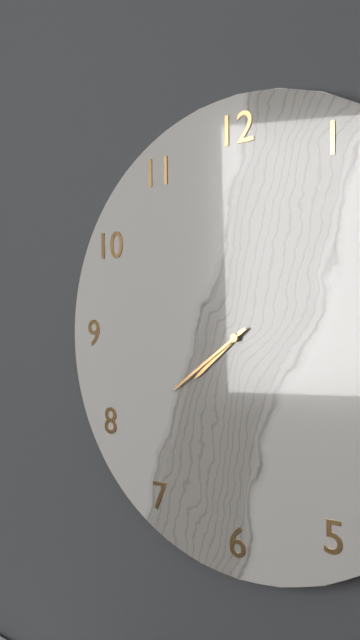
7:39
